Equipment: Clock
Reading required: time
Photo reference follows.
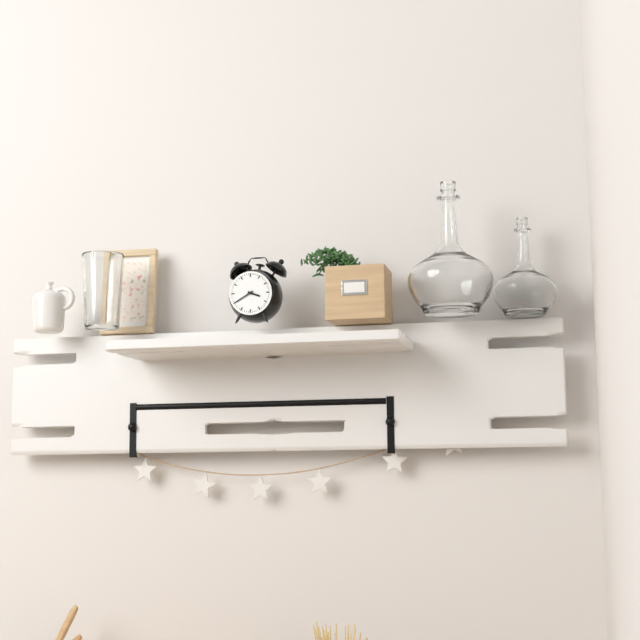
3:40
